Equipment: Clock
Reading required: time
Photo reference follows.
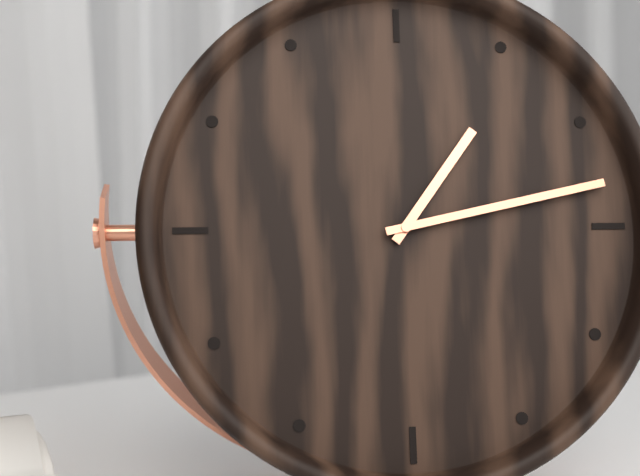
1:13
